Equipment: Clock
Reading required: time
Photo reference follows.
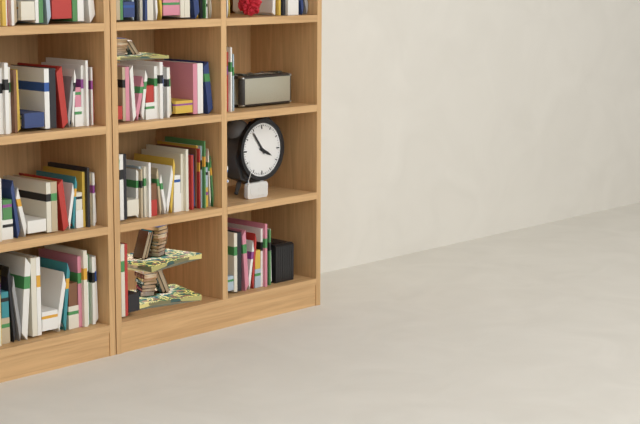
3:54
